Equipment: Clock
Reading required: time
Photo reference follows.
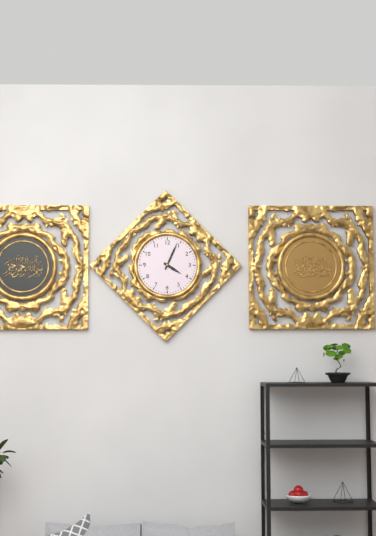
4:04
